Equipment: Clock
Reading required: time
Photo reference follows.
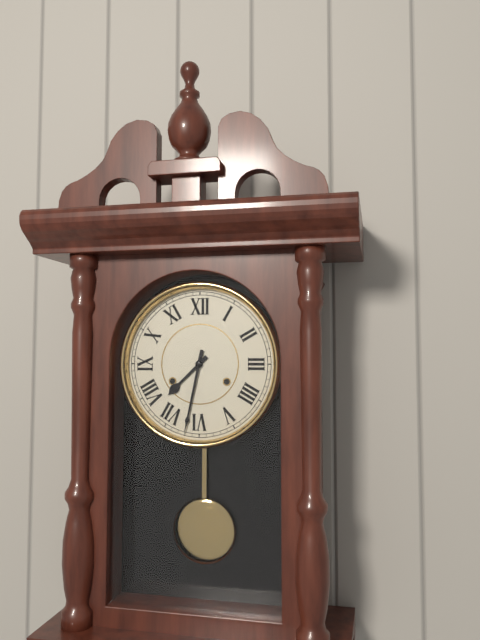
7:32
